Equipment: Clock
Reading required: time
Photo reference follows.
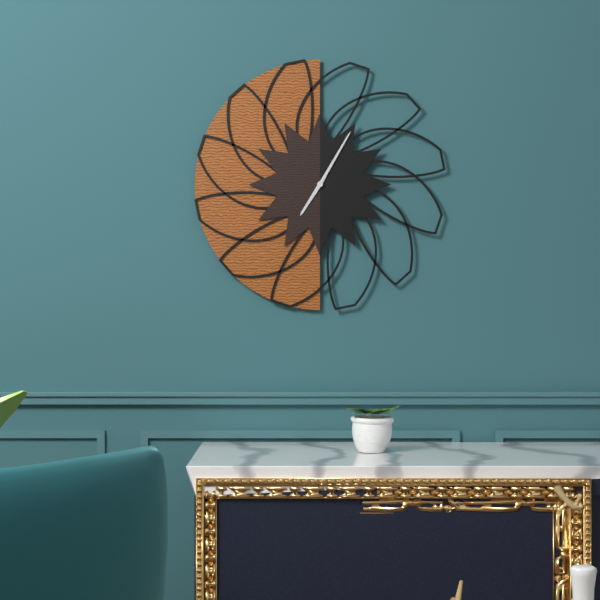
7:05
